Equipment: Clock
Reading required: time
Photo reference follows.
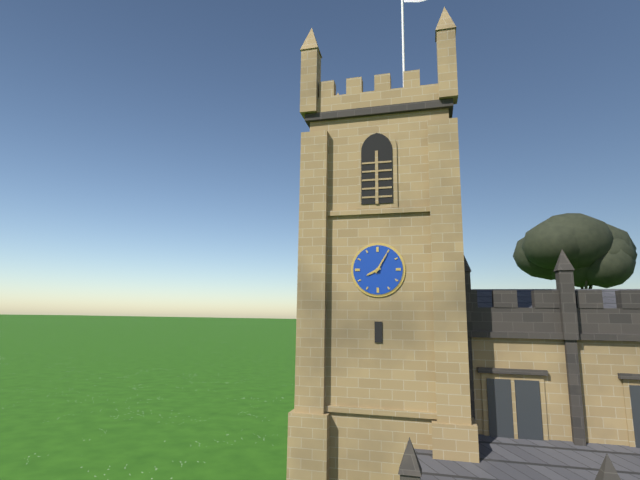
8:05
